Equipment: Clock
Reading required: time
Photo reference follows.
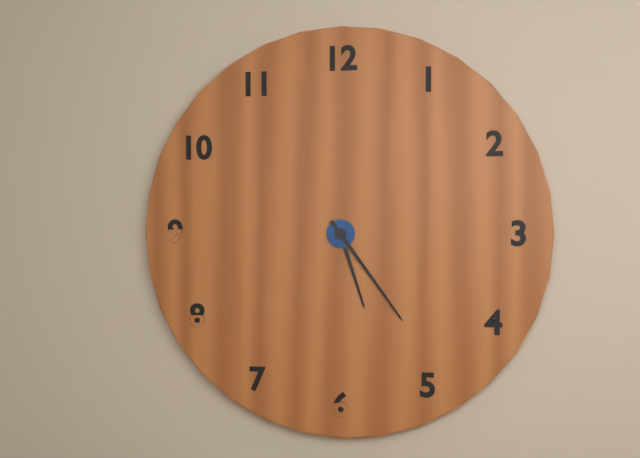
5:24
